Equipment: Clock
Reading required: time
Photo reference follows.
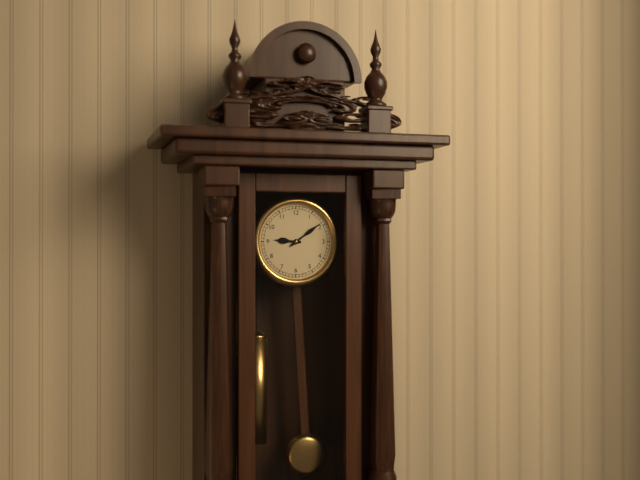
9:09
